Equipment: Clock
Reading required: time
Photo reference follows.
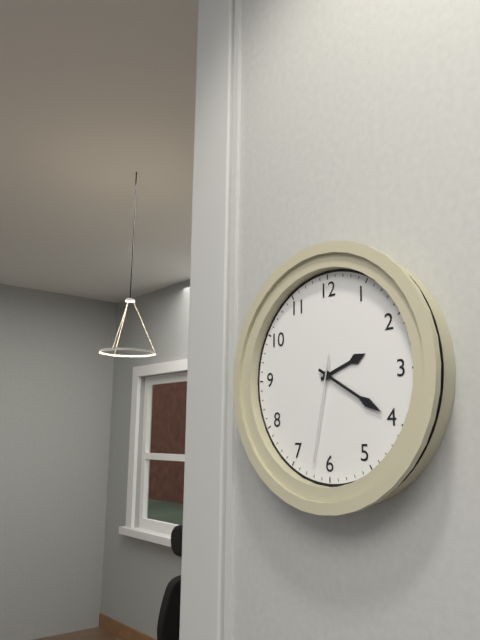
2:20:32
